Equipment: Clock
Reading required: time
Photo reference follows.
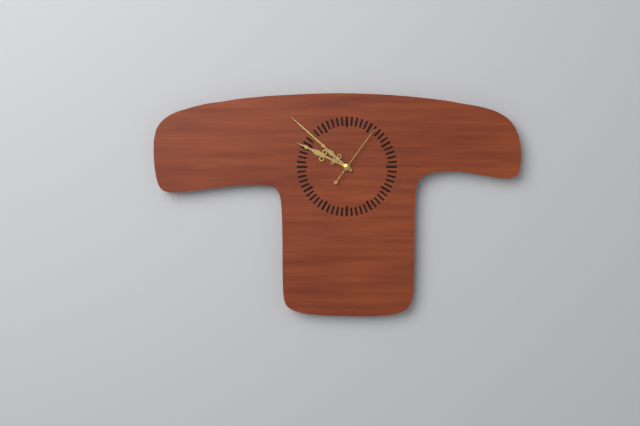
9:52:06
